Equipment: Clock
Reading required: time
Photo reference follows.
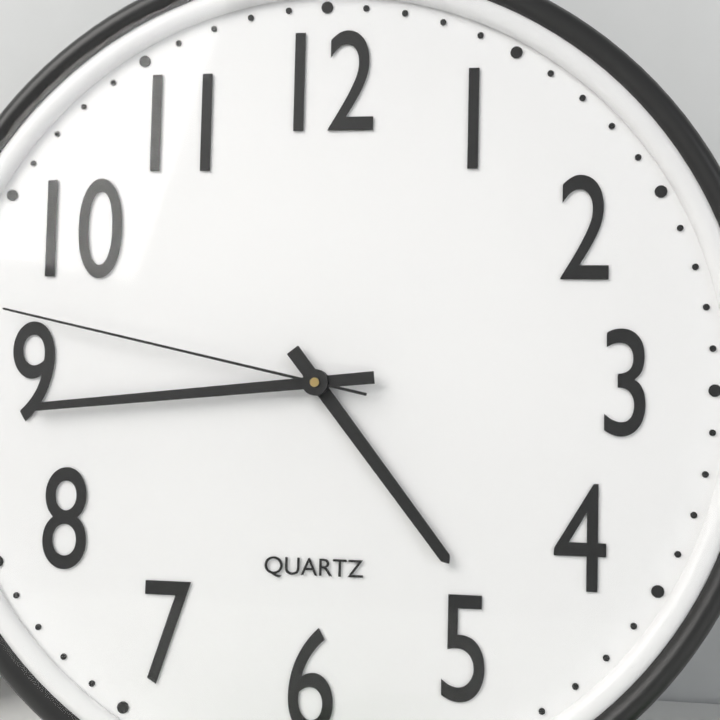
4:44:47
